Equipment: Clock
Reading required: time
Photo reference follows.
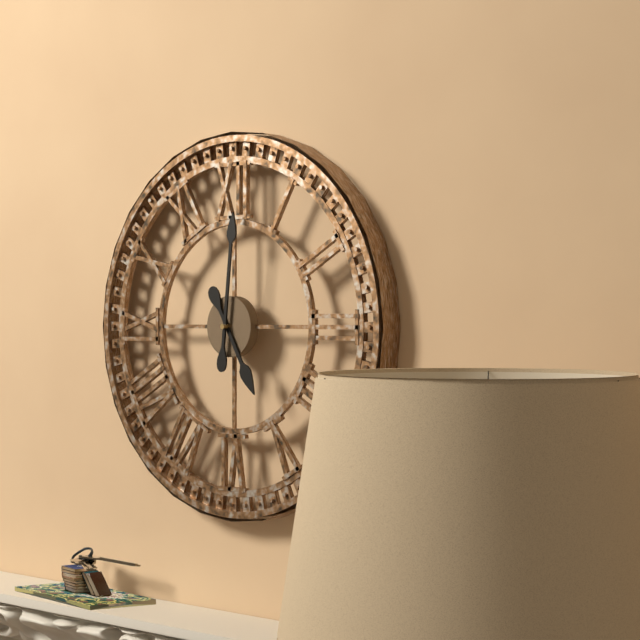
5:01
